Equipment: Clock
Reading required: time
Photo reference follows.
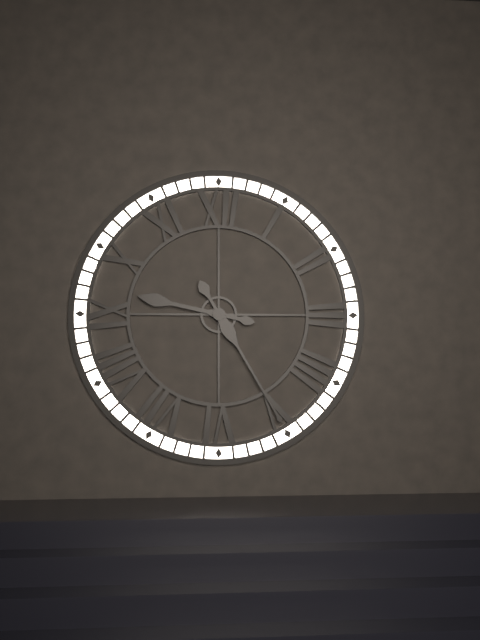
9:25
